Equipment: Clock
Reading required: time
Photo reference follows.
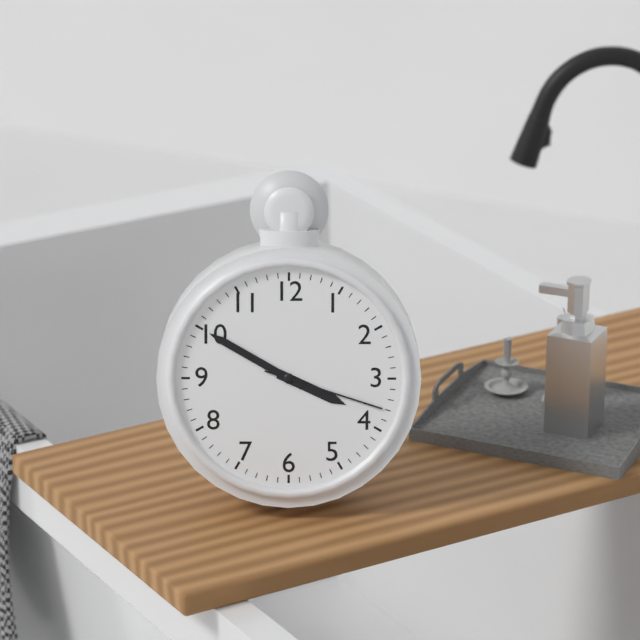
3:50:18
